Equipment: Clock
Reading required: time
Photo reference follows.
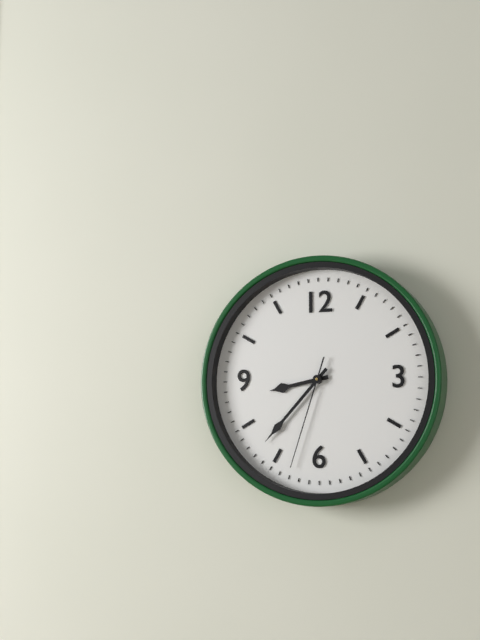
8:37:33
